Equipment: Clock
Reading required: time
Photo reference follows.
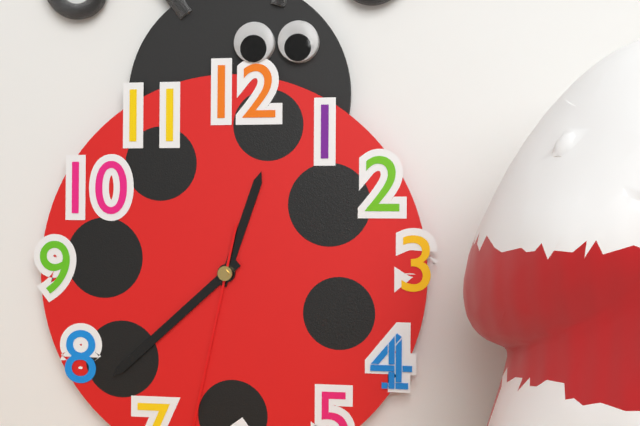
12:38
